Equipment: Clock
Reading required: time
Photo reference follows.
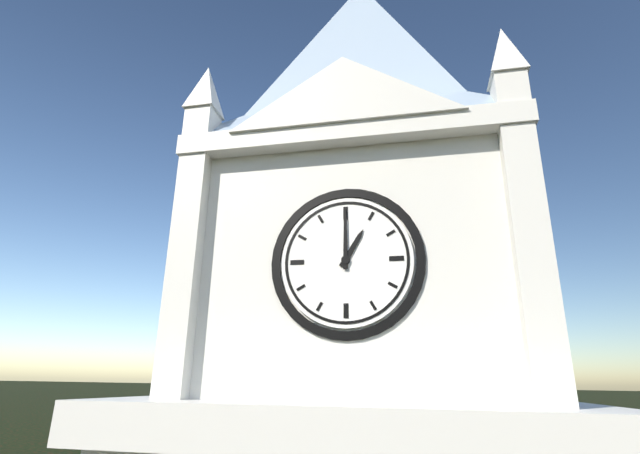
1:00
